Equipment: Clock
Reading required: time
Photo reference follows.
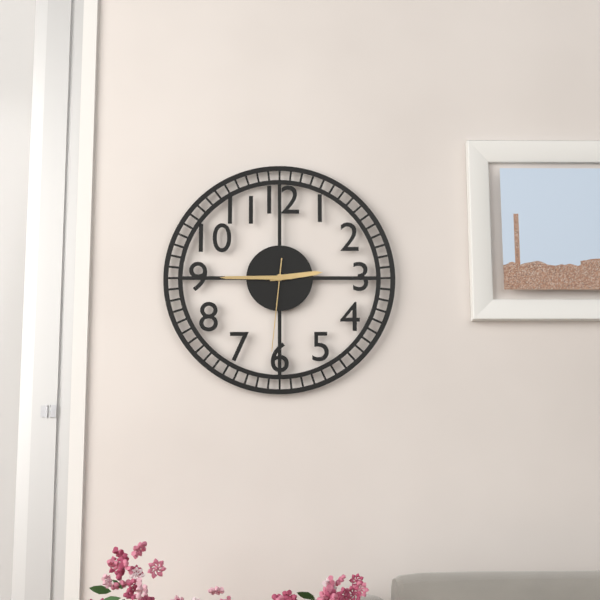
2:45:31
